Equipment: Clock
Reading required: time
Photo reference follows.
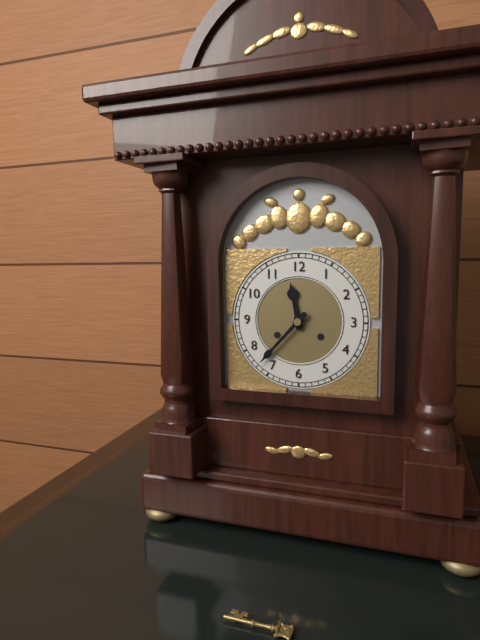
11:37
